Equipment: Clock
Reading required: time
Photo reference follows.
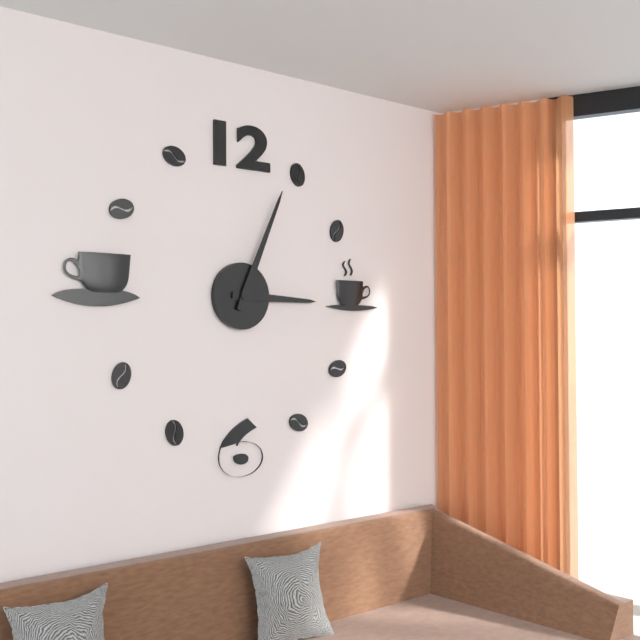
3:04
